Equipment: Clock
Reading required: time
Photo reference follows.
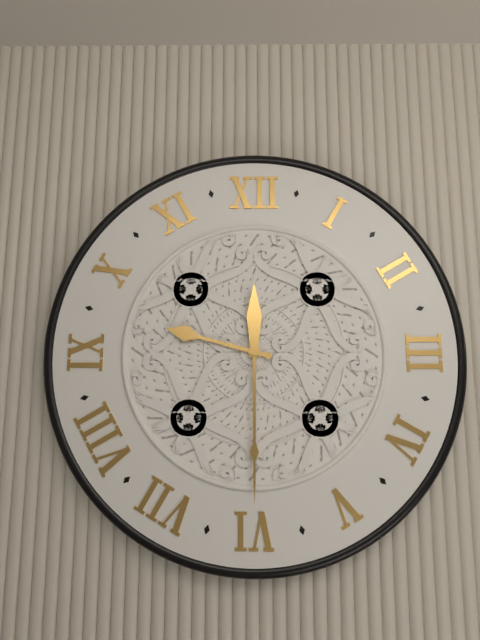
9:30
